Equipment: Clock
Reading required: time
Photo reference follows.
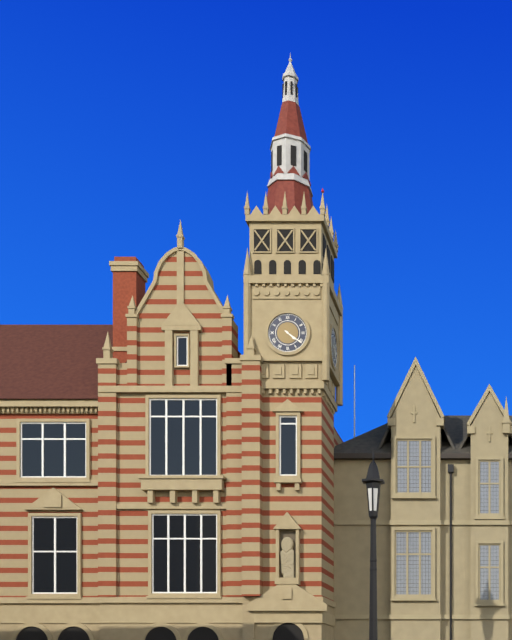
4:21
